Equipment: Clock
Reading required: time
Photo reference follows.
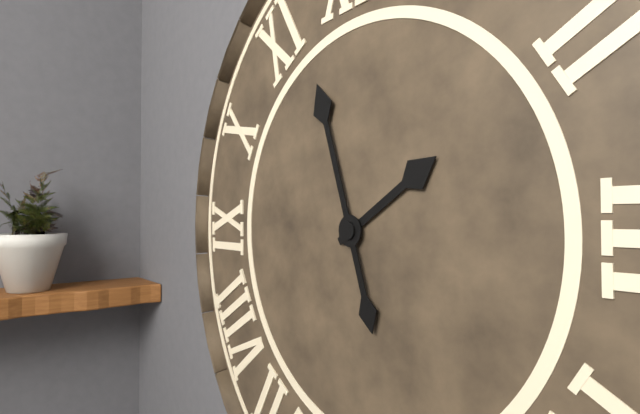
1:57
